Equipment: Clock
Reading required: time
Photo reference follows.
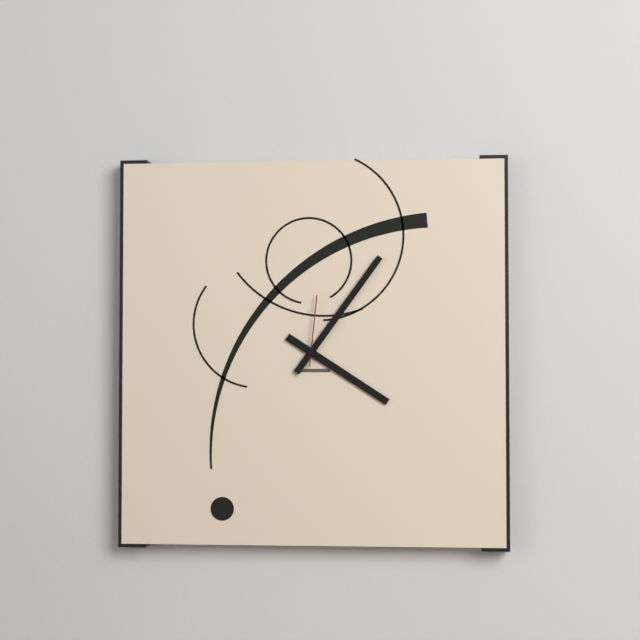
4:06:01
